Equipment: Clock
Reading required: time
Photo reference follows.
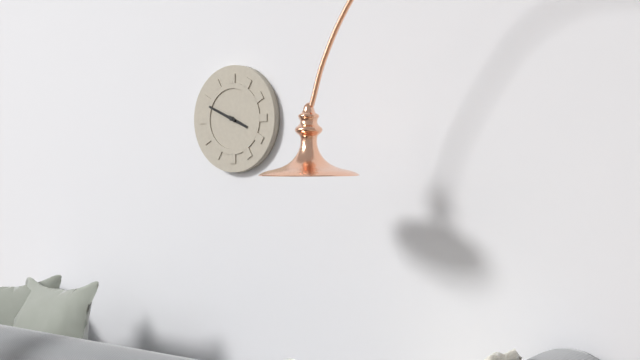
3:49
